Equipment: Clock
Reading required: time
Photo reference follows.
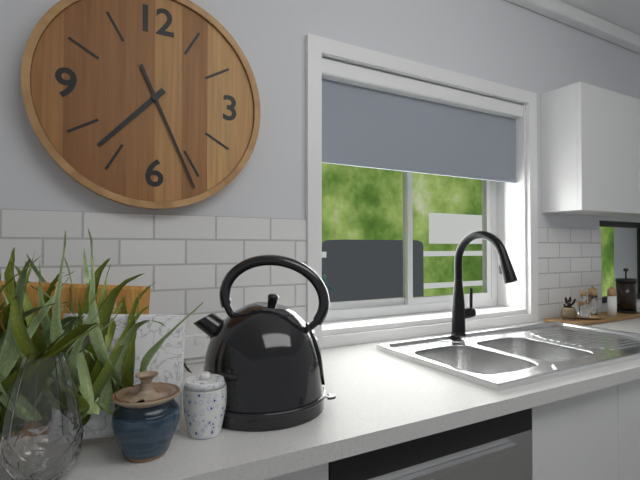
7:26
